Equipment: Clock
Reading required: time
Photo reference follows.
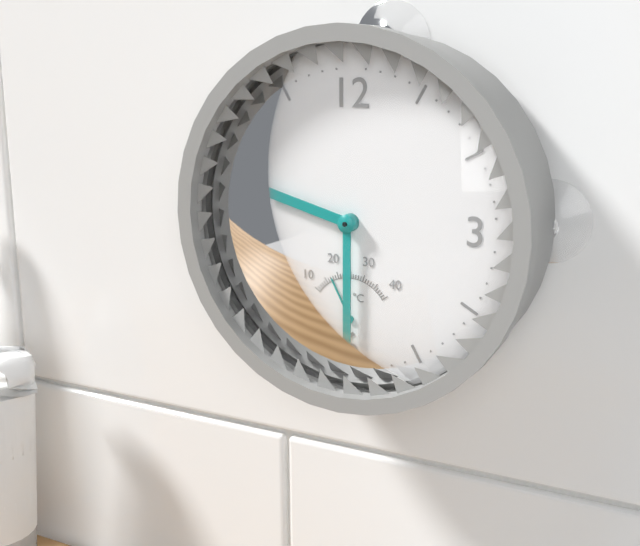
9:30
